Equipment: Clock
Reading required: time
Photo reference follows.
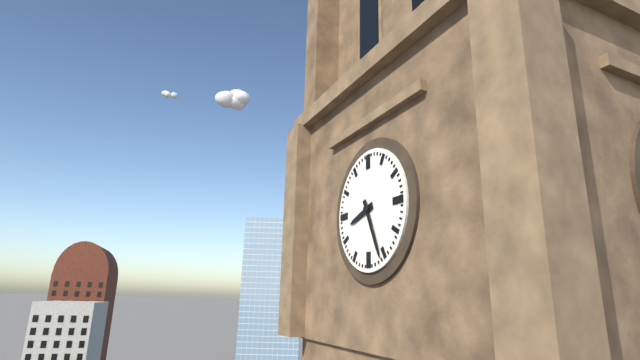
8:26
